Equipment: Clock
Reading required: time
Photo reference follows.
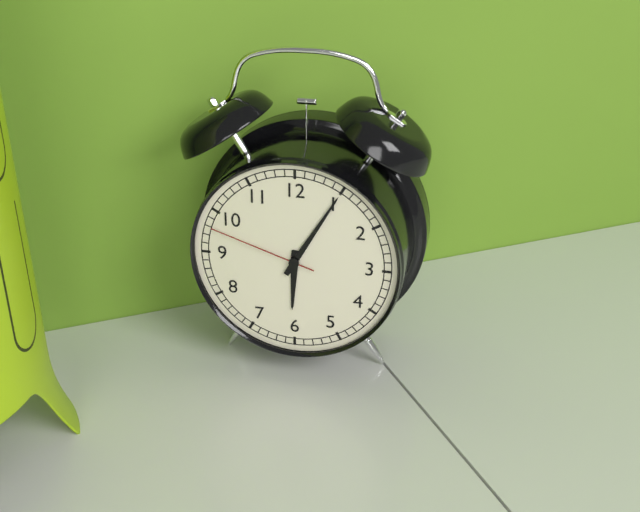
6:05:48
